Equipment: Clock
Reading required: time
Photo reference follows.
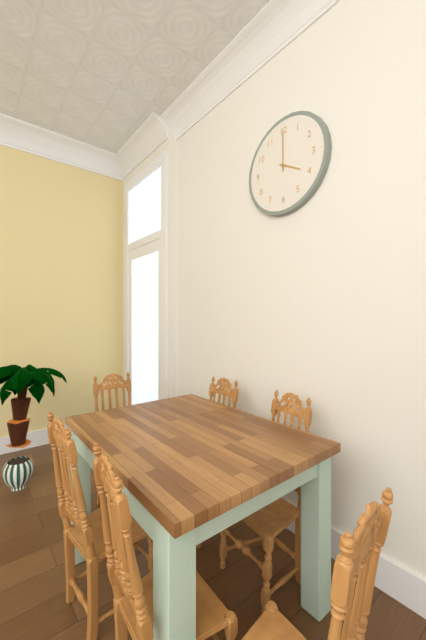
4:00
